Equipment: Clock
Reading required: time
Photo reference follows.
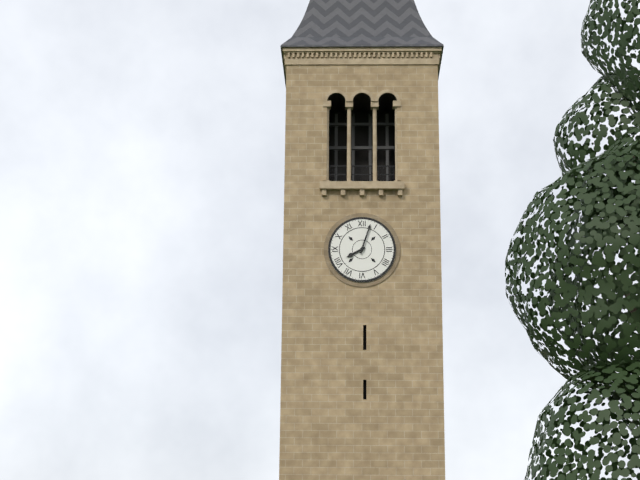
8:03
